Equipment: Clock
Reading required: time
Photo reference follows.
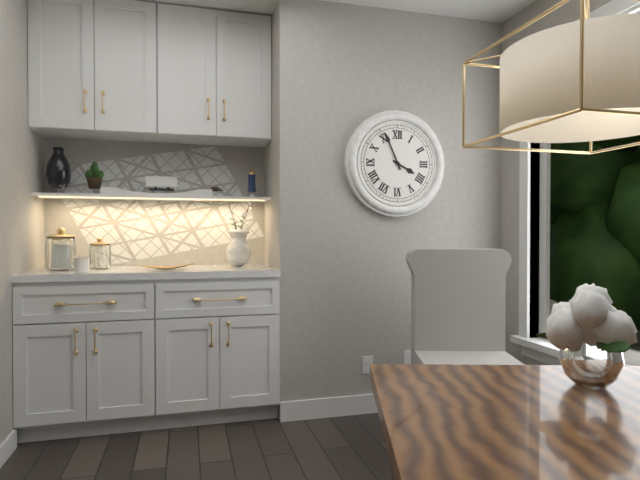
3:56
